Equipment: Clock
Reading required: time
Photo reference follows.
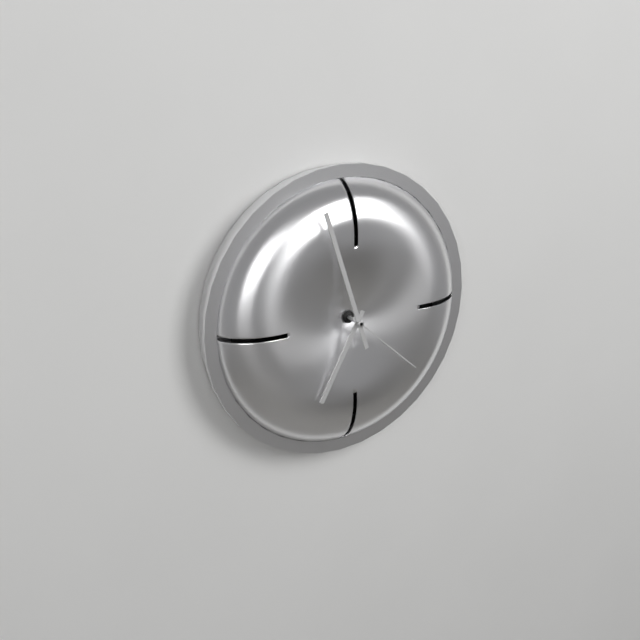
6:57:22
